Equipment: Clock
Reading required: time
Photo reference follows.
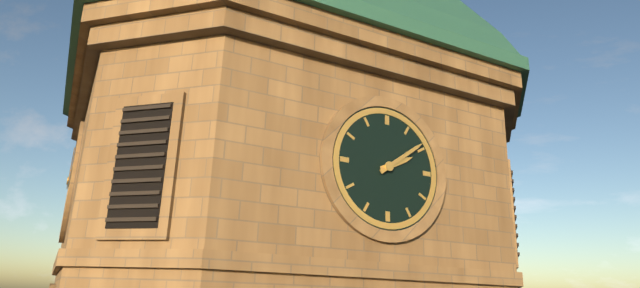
2:09
